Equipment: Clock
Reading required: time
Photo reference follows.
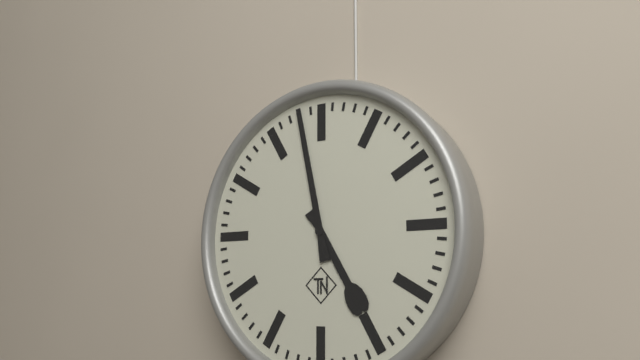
4:58
